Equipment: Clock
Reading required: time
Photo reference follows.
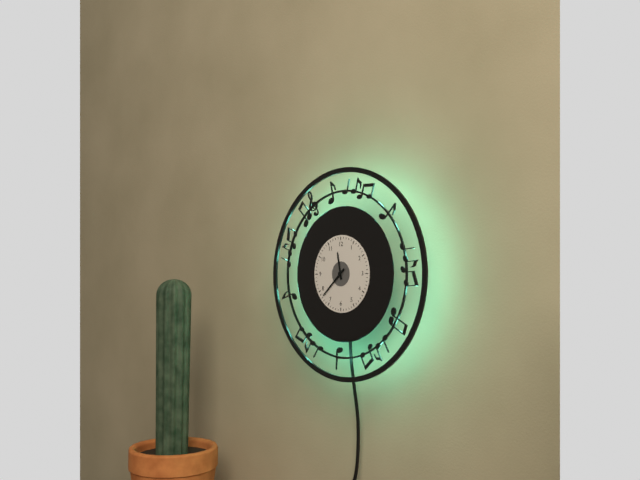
11:38
